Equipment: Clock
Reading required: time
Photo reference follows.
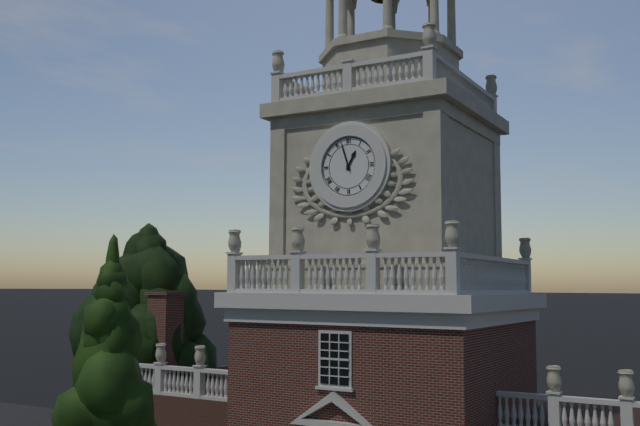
12:57
